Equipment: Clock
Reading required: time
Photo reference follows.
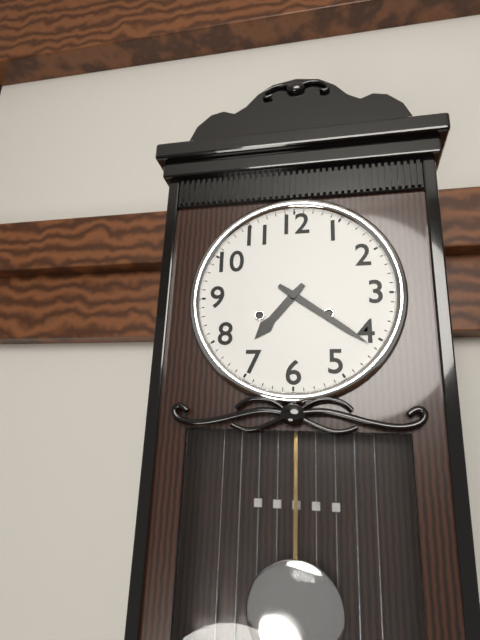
7:21
